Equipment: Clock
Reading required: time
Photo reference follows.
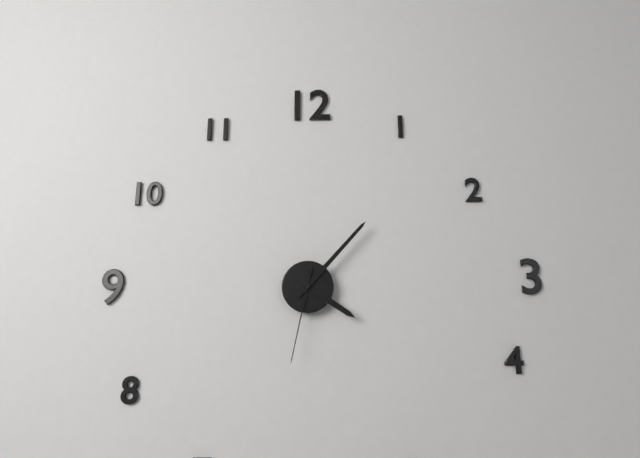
4:07:32
